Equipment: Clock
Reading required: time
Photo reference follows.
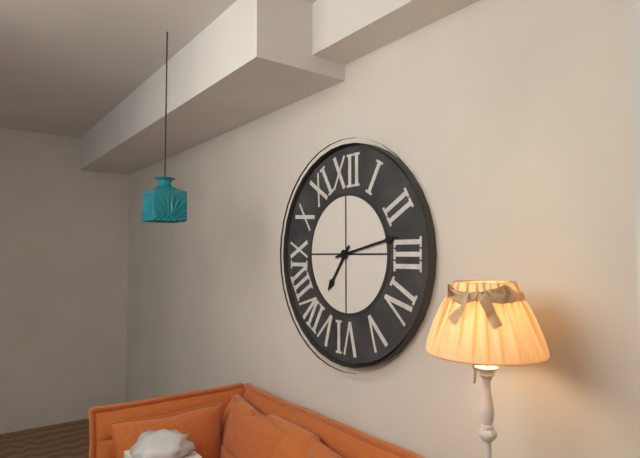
7:13
